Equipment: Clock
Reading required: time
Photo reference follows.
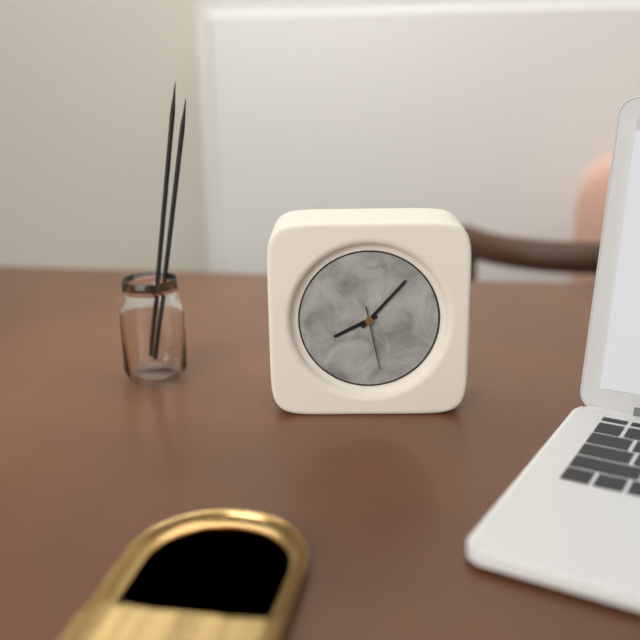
8:07:28
